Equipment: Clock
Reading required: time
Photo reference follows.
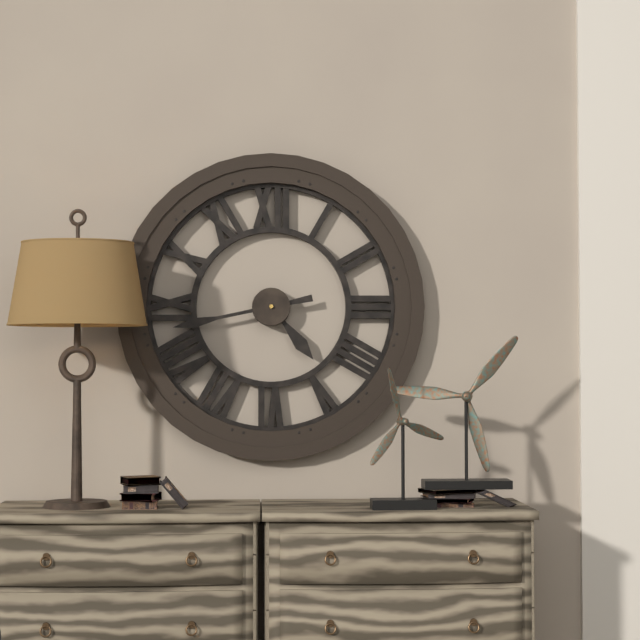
4:43
